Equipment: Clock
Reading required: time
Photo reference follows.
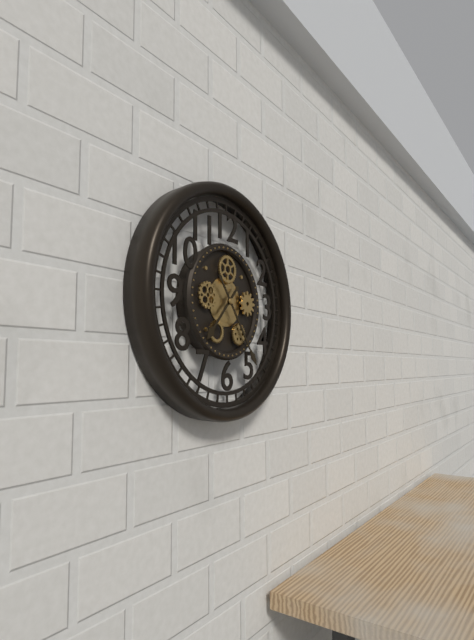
7:24
